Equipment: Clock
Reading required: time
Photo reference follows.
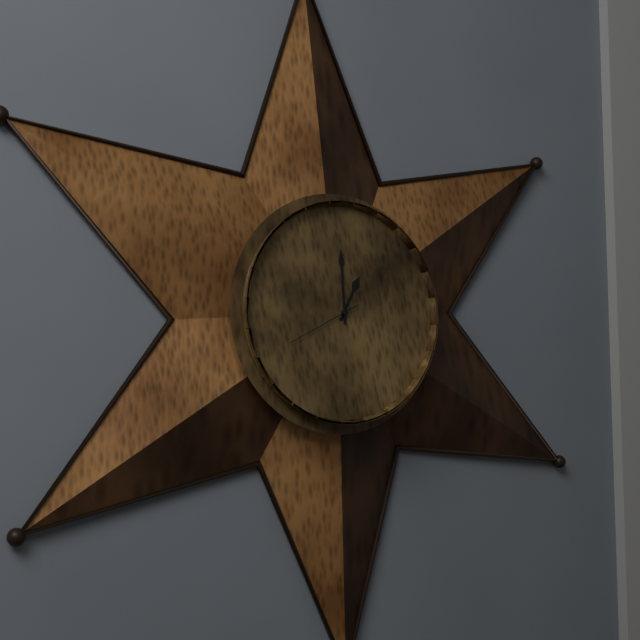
1:00:41
